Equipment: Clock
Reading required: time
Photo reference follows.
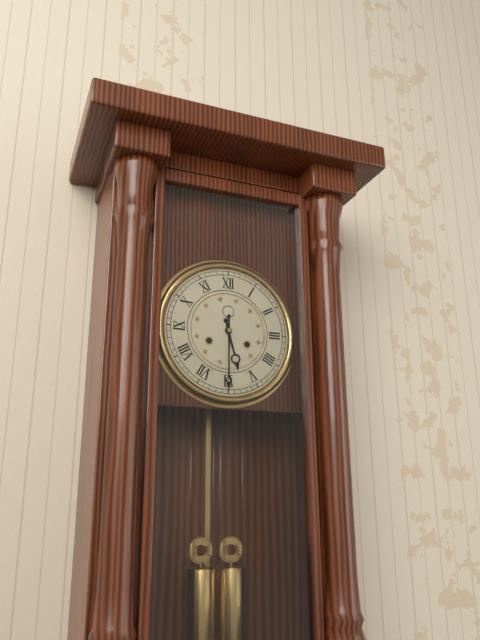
5:30
